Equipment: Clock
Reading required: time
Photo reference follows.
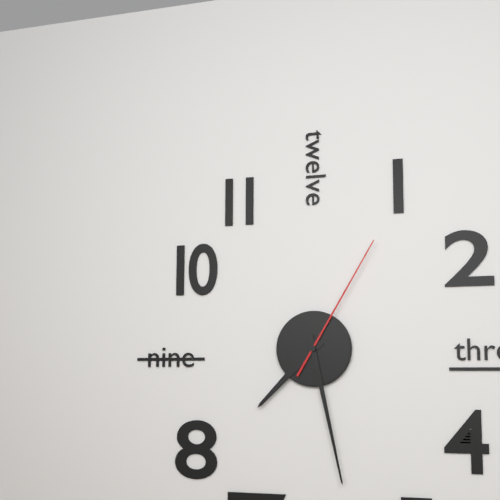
7:28:05
